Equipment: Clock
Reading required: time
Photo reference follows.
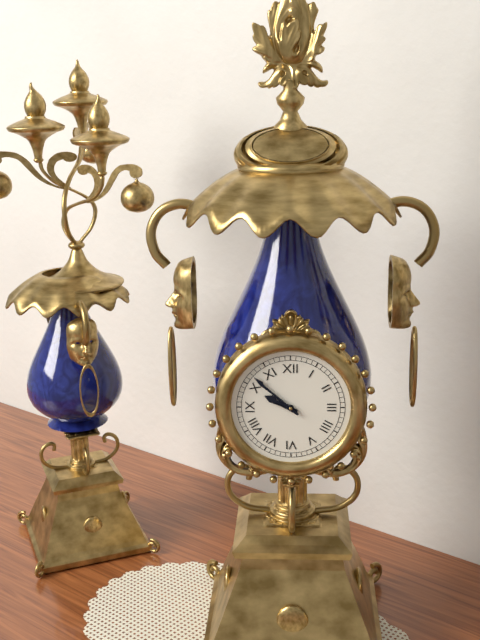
9:52
